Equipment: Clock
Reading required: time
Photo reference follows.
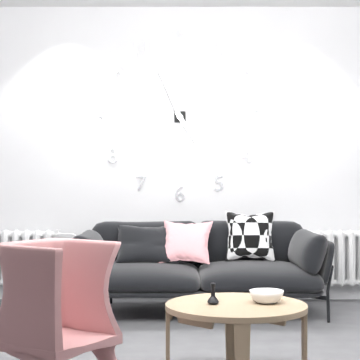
4:56
